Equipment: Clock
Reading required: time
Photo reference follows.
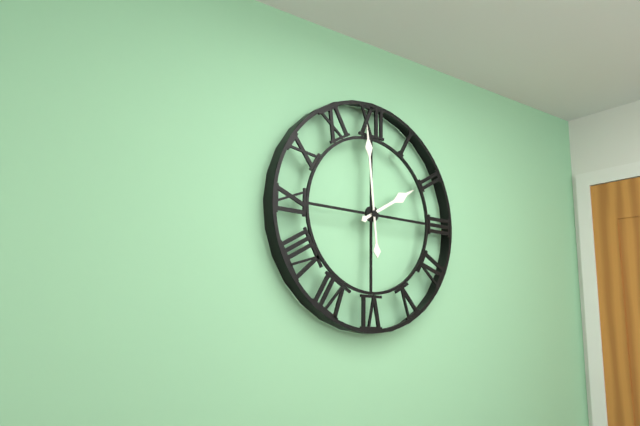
1:59
